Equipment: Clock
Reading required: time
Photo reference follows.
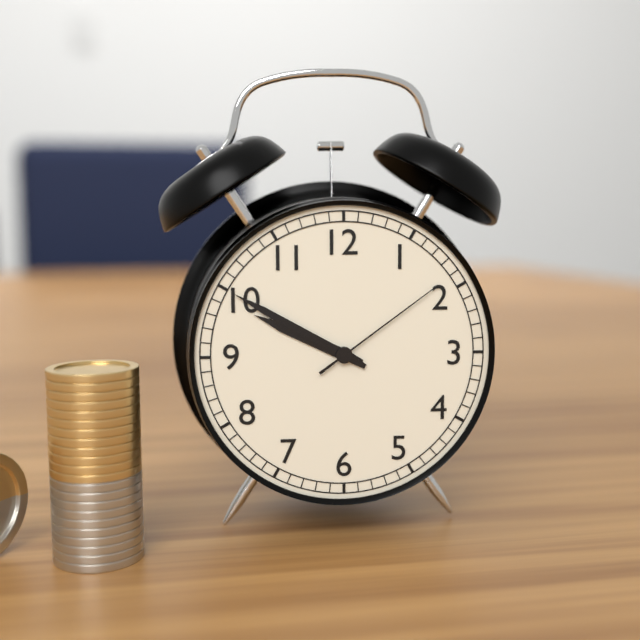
9:50:09
